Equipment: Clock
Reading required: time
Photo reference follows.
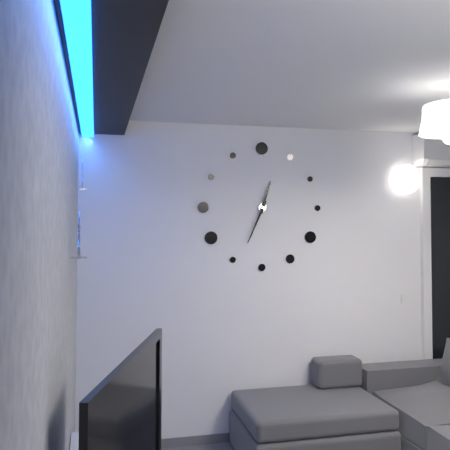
12:34
